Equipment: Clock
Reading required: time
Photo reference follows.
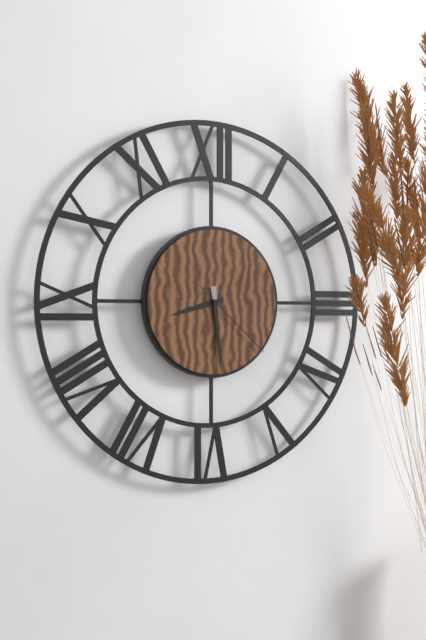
8:29:22
